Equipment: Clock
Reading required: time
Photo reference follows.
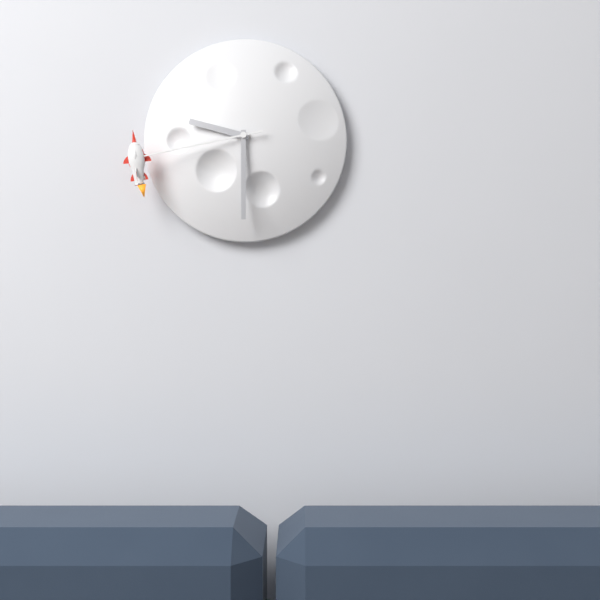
9:30:43
